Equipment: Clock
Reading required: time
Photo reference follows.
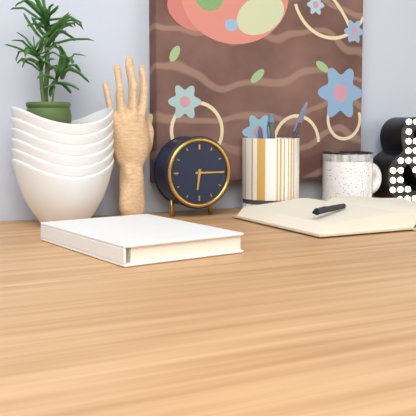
6:15
